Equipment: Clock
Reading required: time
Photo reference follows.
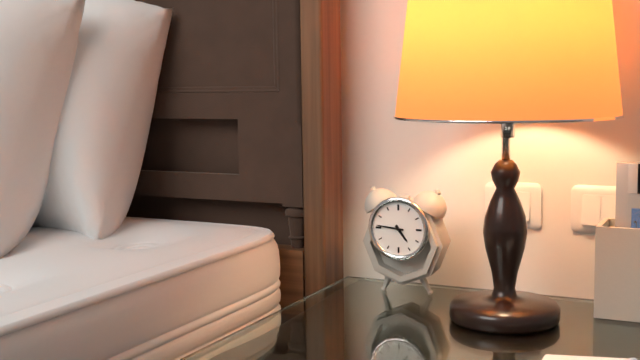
4:46
